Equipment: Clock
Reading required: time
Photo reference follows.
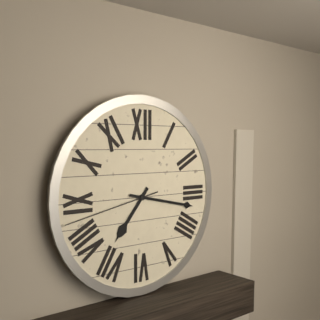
7:17:43
